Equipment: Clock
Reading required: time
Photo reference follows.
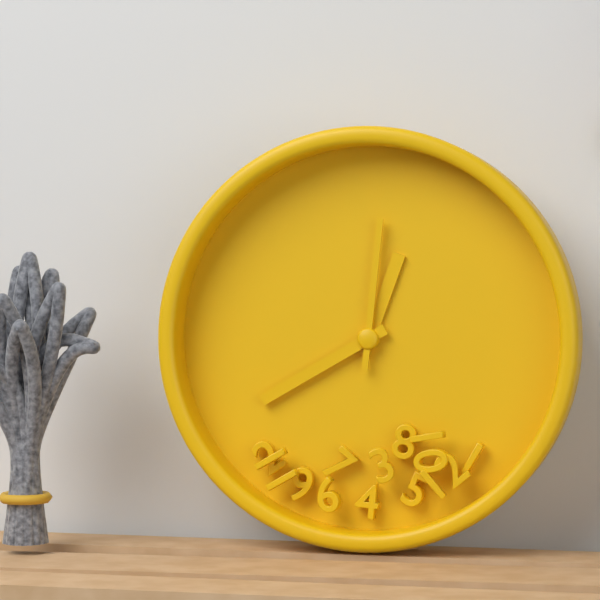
12:40:01
